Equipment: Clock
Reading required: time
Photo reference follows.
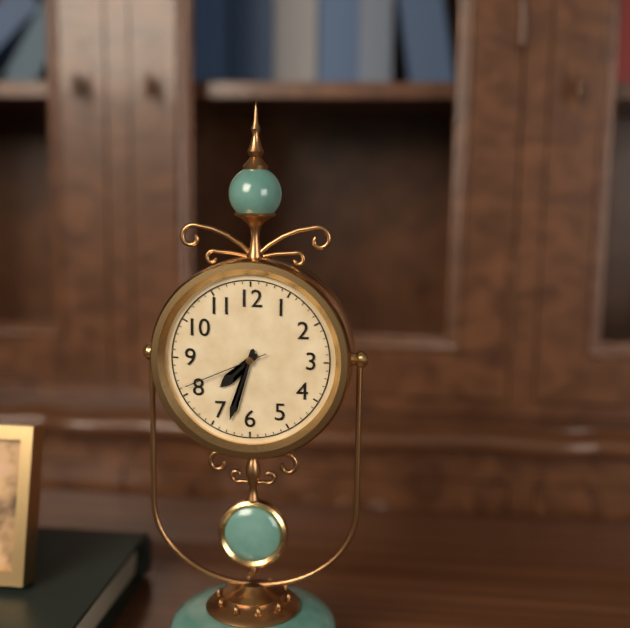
7:33:41
